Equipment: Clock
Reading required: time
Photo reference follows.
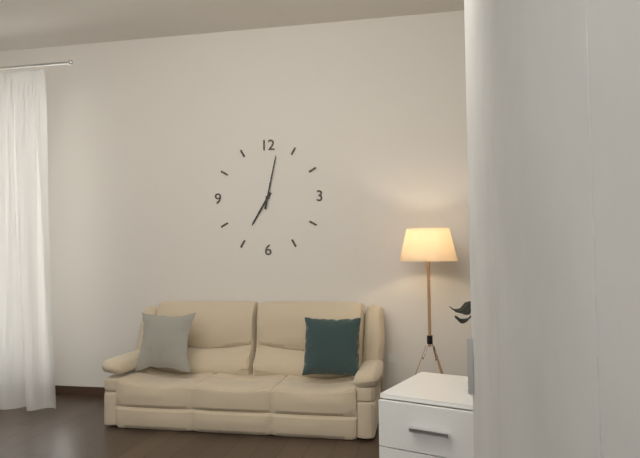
7:02
